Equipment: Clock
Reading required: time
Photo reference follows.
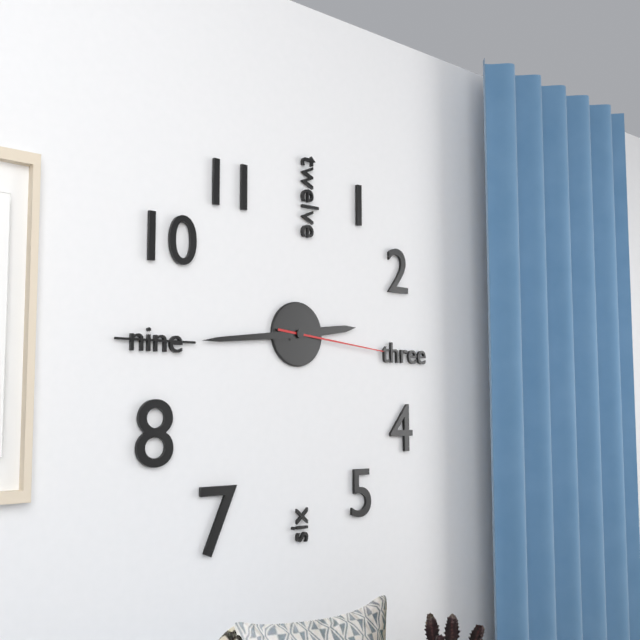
2:44:16
